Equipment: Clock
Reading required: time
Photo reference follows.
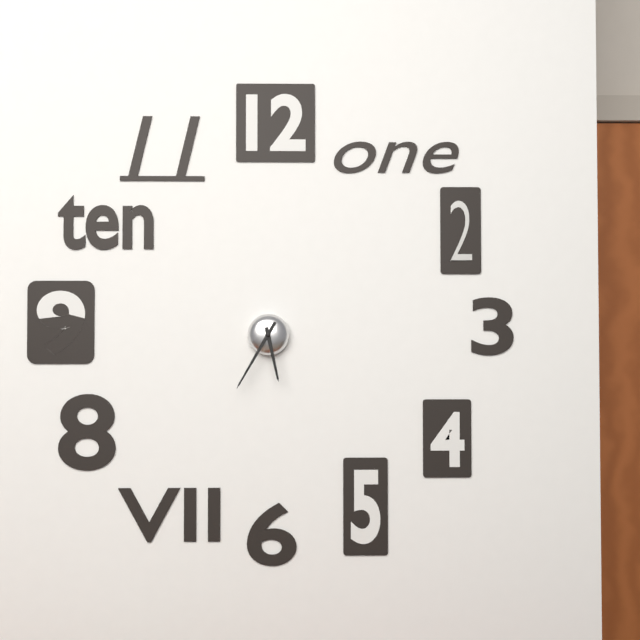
5:35
